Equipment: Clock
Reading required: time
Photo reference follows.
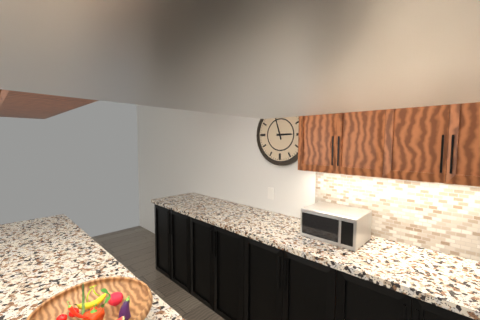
2:57
